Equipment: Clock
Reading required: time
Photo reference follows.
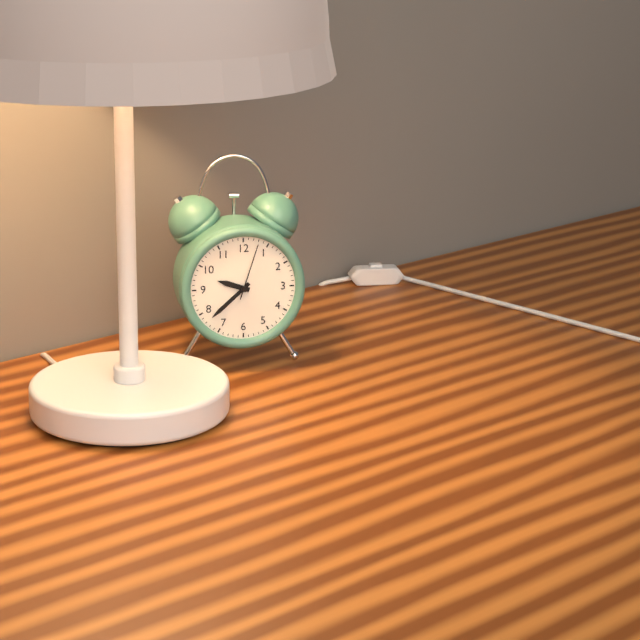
9:38:03
